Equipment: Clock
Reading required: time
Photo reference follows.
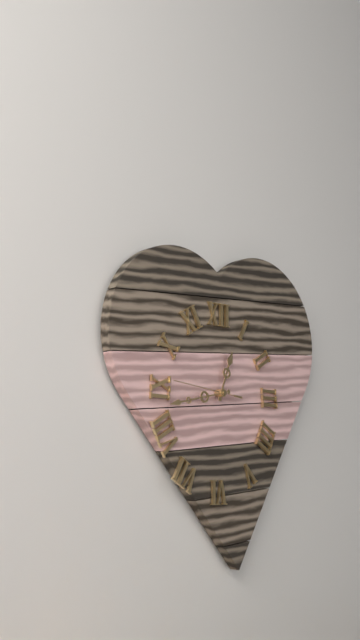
12:43:46
